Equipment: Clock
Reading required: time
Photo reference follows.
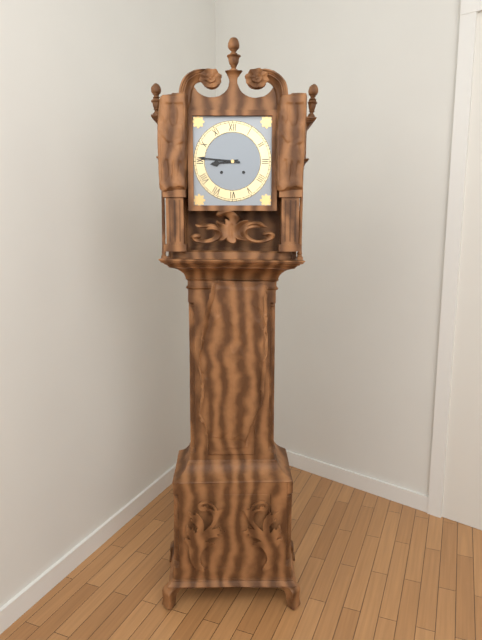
8:46
